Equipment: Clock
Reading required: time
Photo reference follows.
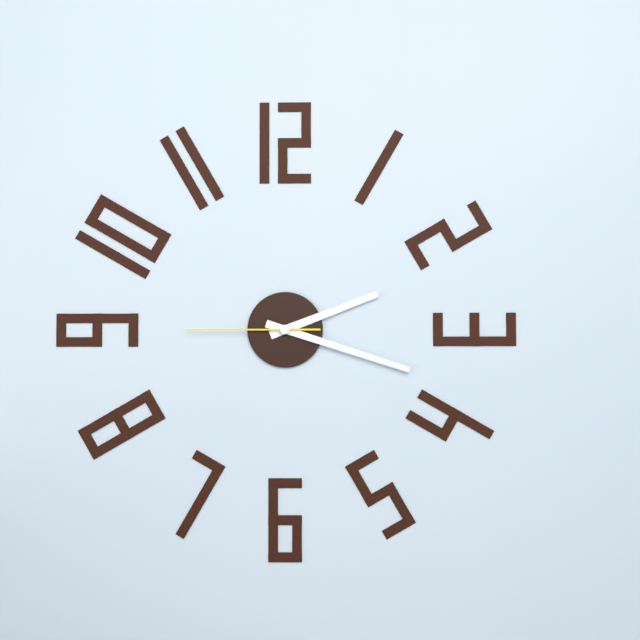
2:18:45
